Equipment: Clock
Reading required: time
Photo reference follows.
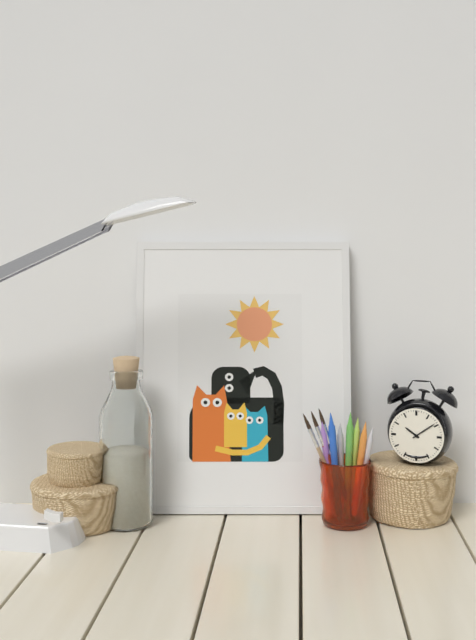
10:09
